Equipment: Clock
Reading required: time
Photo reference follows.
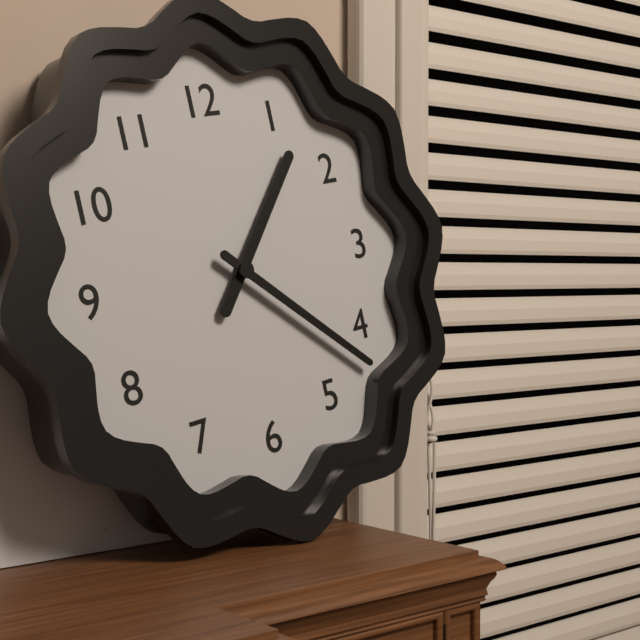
1:22
